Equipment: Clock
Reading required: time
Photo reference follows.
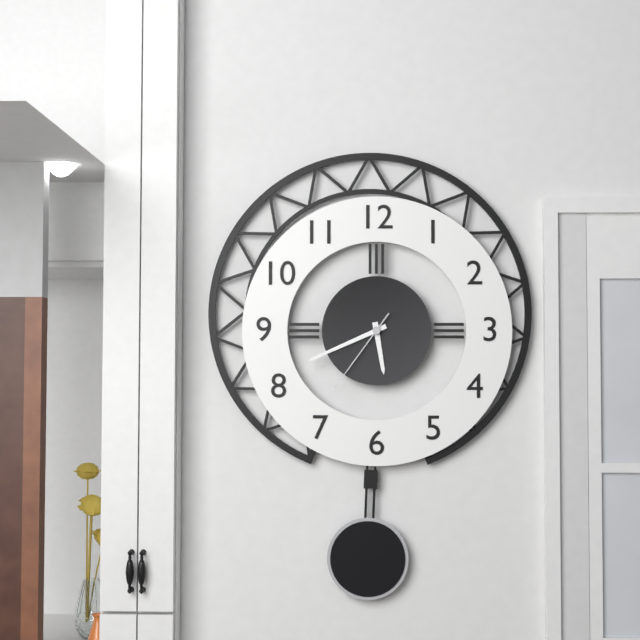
5:41:36
